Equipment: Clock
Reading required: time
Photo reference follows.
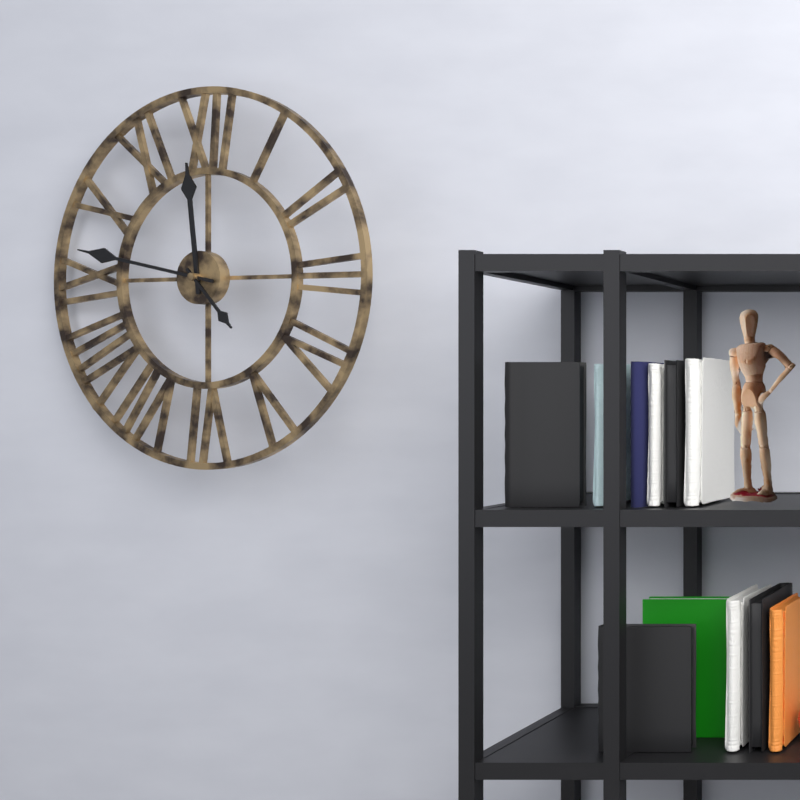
11:47:23
